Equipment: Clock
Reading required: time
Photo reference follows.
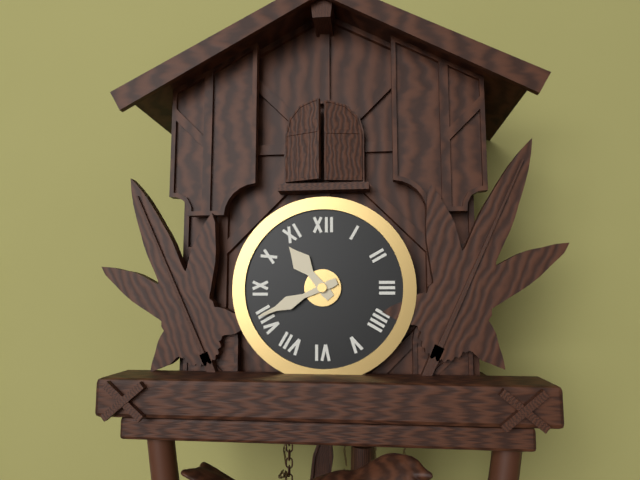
10:41
